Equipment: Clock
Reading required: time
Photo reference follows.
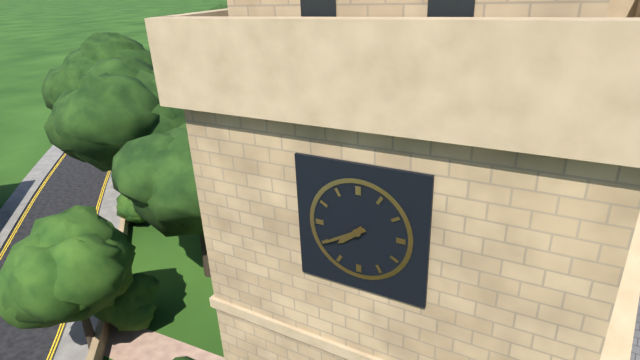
7:40
